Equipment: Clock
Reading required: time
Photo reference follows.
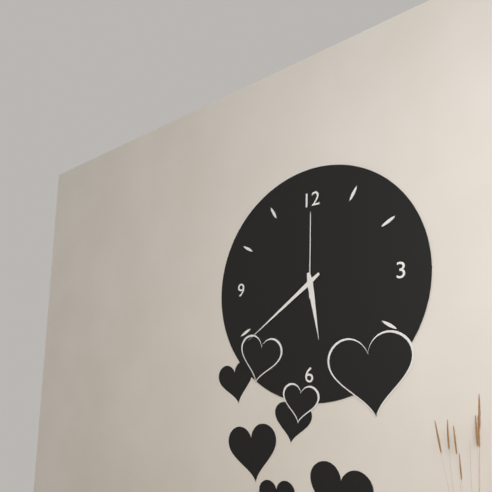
5:39:00
